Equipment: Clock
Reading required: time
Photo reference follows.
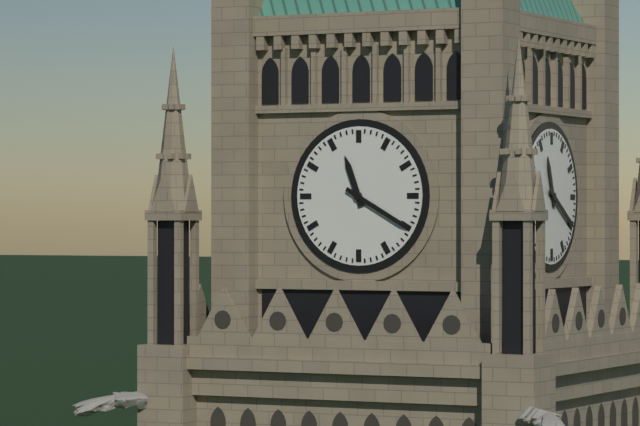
11:20
